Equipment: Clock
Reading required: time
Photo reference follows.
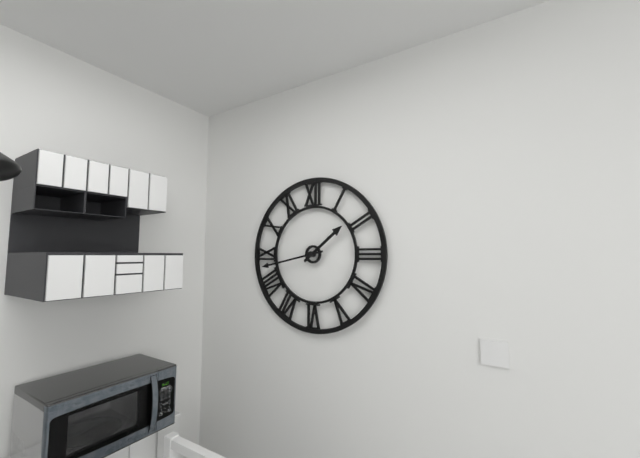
1:43
